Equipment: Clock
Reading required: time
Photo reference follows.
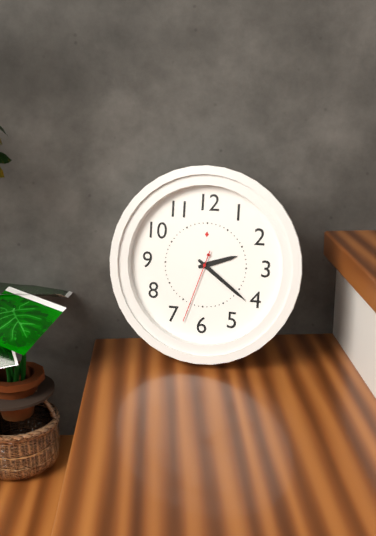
2:21:33
